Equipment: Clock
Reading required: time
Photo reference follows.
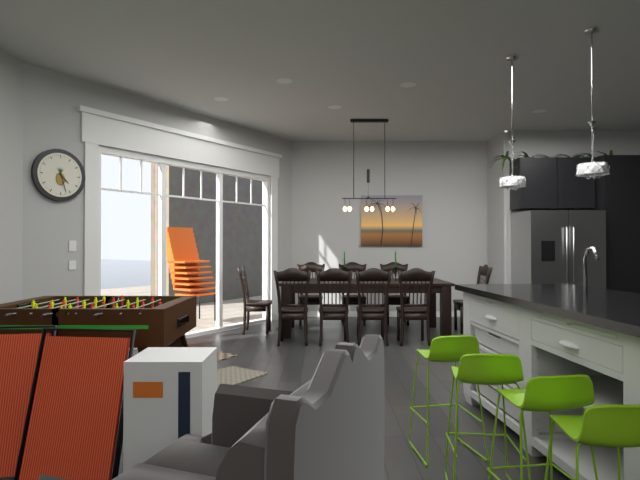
4:27
